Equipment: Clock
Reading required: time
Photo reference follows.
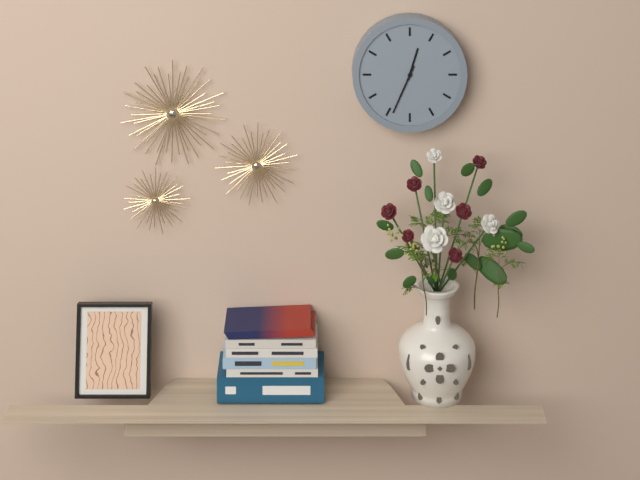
12:34
